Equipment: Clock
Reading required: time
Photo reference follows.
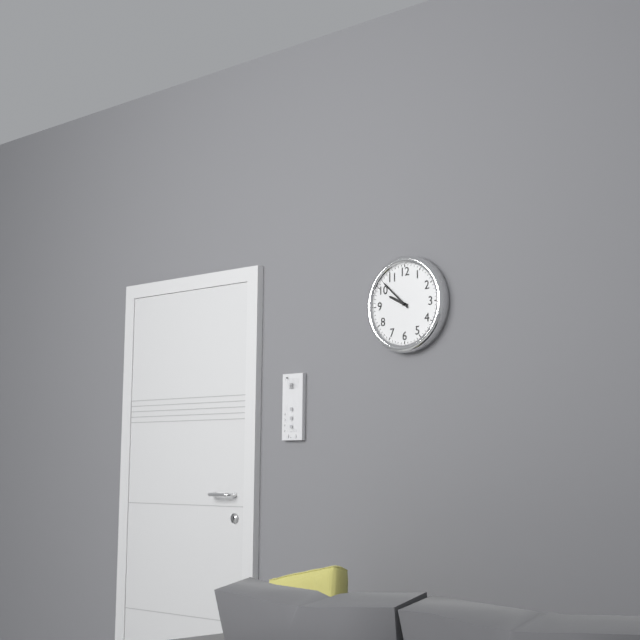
9:52
